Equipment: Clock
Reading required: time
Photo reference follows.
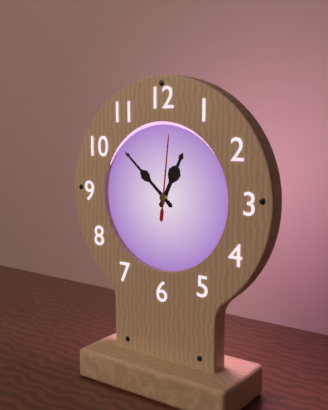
12:52:01
